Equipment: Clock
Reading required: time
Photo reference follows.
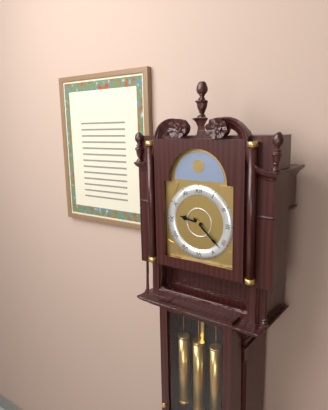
9:22
